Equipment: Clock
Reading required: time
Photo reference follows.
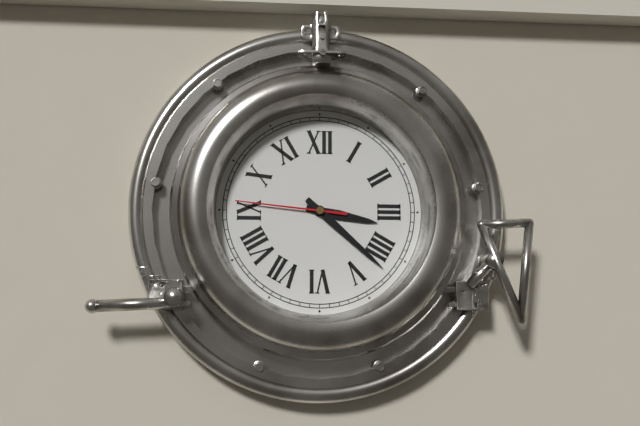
3:22:46
